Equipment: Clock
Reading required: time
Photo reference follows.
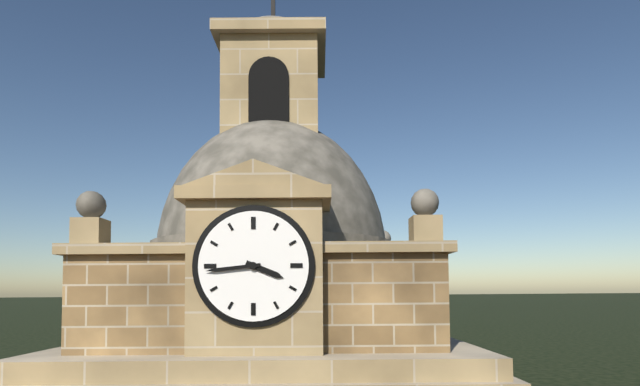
3:44
